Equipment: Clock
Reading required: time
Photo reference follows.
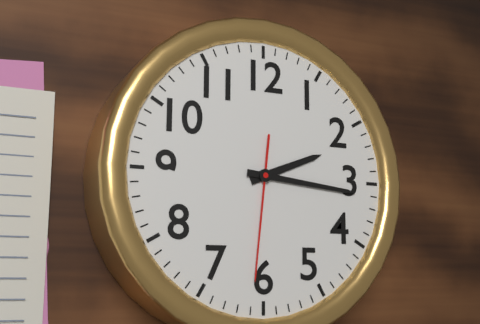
2:16:31
